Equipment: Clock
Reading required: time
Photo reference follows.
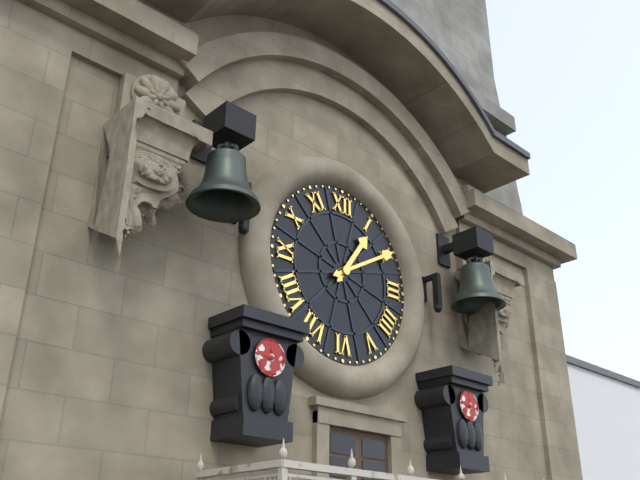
1:10
